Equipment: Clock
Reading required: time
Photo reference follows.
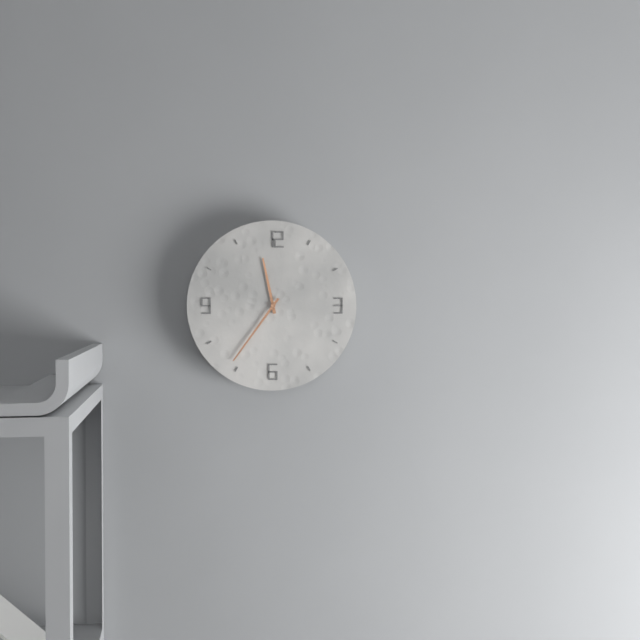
11:36
